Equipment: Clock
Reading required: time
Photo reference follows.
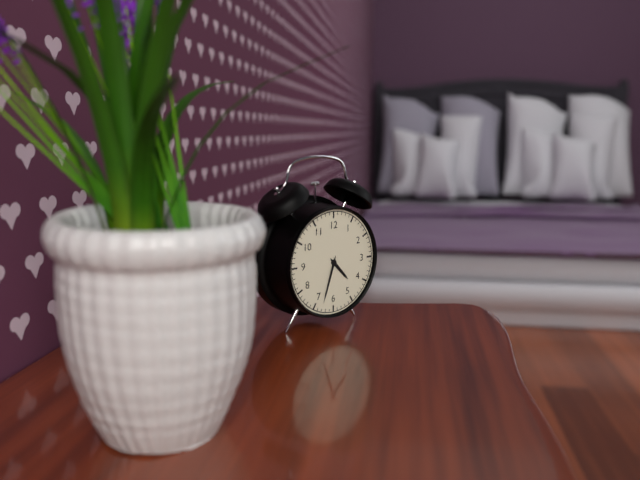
4:33
